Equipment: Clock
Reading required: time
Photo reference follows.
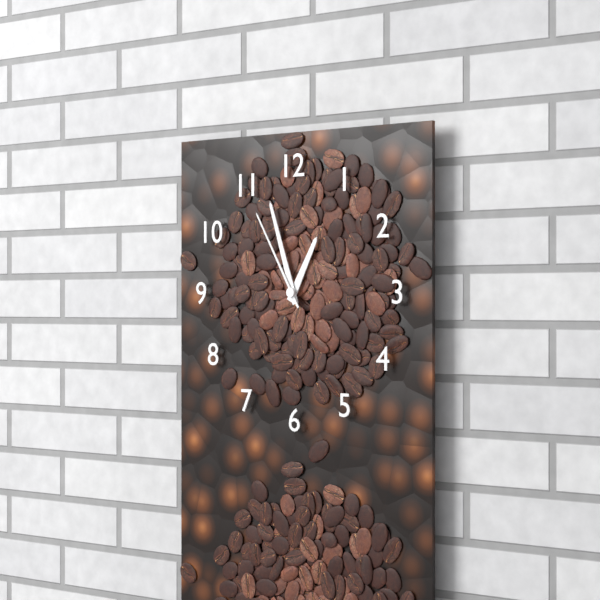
12:57:55
